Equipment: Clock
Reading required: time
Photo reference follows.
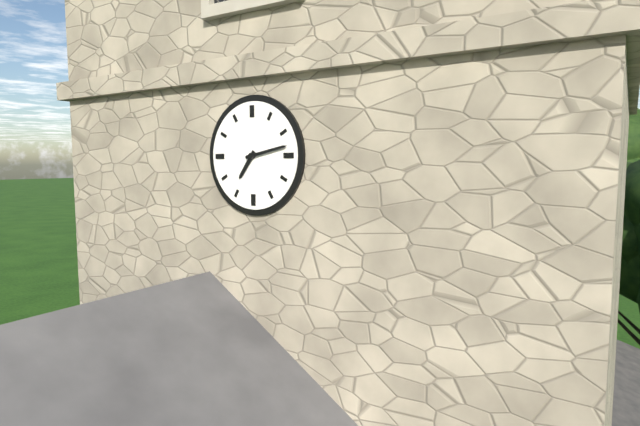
7:13
